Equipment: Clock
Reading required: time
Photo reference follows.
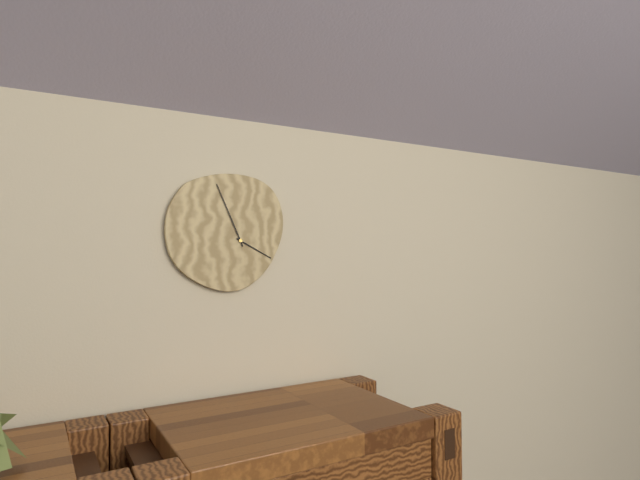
3:56
